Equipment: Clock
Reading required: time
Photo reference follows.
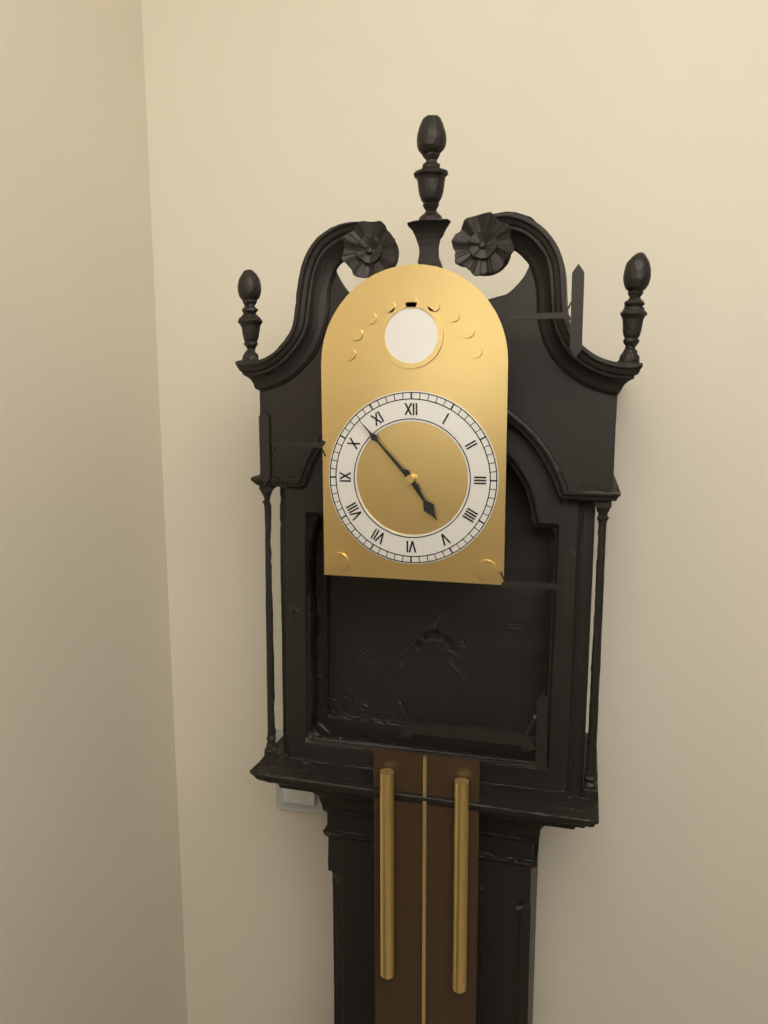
4:53
